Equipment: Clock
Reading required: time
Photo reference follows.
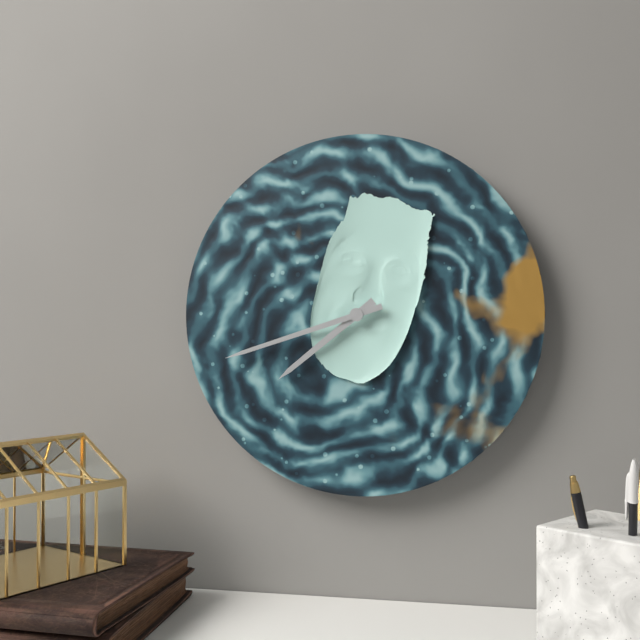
7:42
